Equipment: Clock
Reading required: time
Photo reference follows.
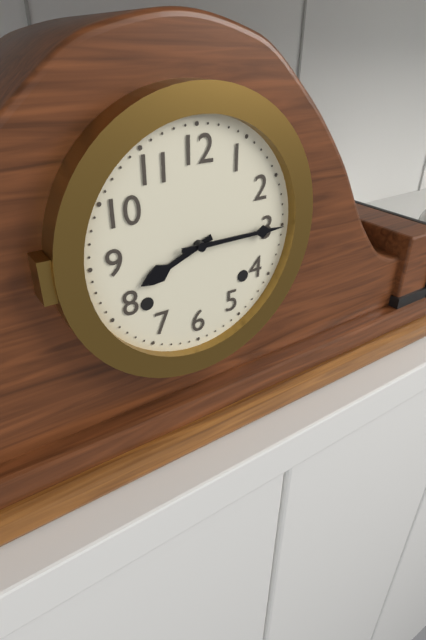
8:15
